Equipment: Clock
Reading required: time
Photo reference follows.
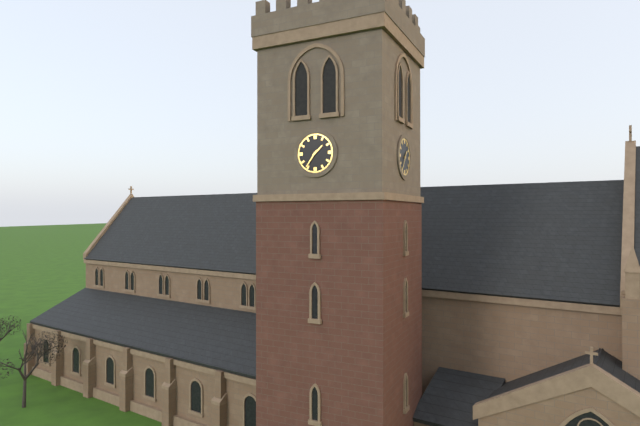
1:36
